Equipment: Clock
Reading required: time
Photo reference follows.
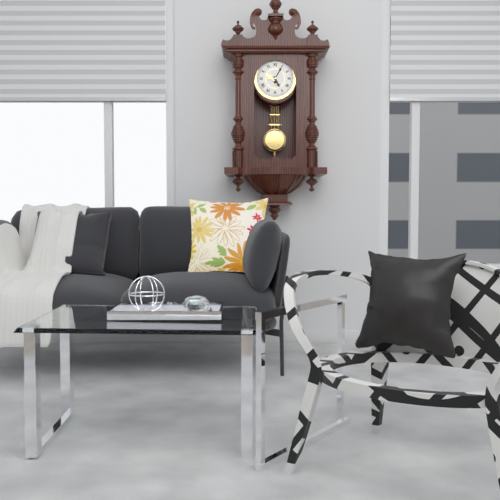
5:05
